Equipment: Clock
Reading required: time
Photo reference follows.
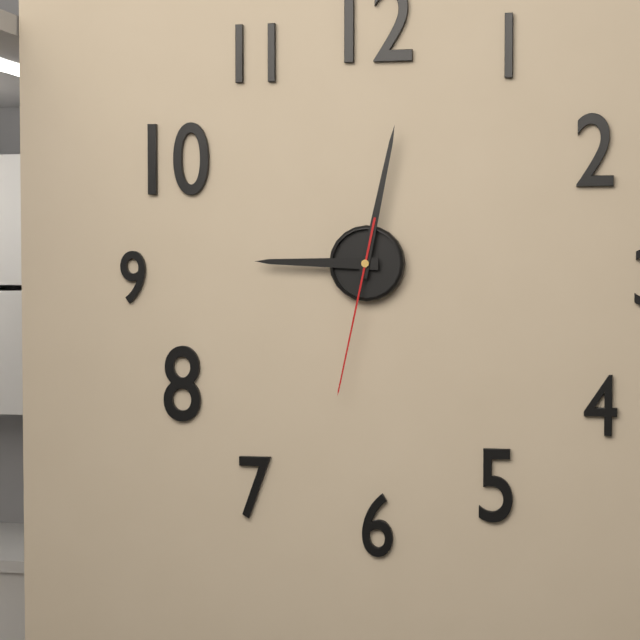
9:02:32
